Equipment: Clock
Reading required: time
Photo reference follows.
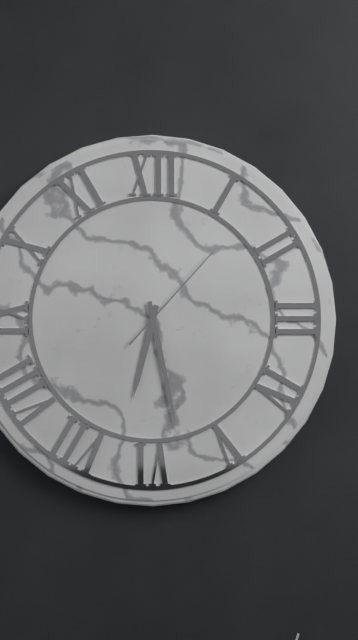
6:28:07
